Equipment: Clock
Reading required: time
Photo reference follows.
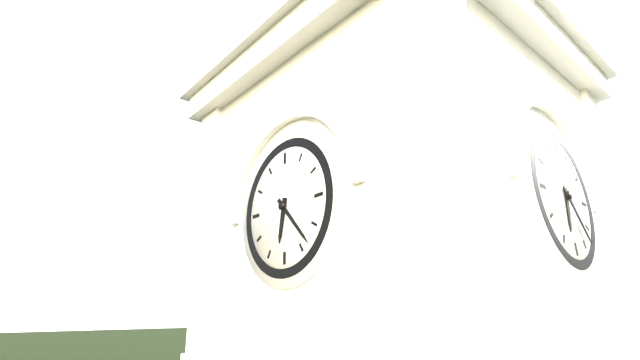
6:23
